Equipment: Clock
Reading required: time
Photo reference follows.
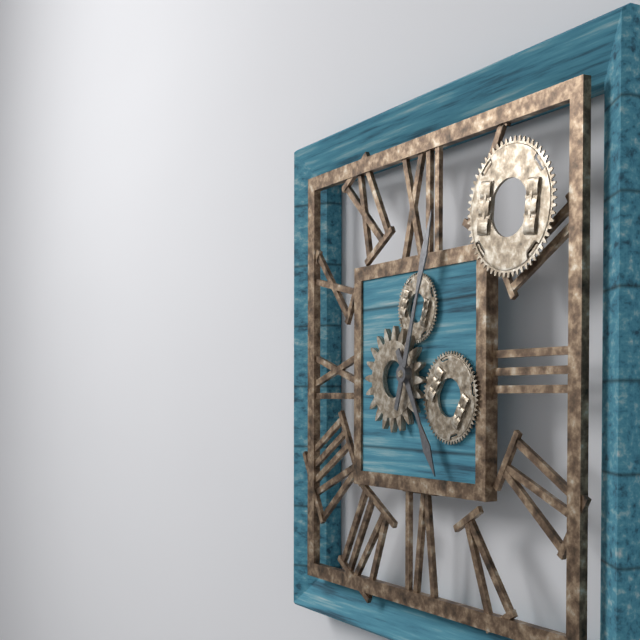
5:03
